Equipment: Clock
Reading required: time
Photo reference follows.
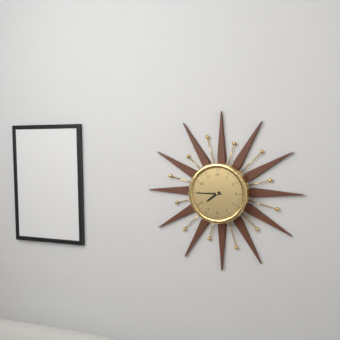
7:45
